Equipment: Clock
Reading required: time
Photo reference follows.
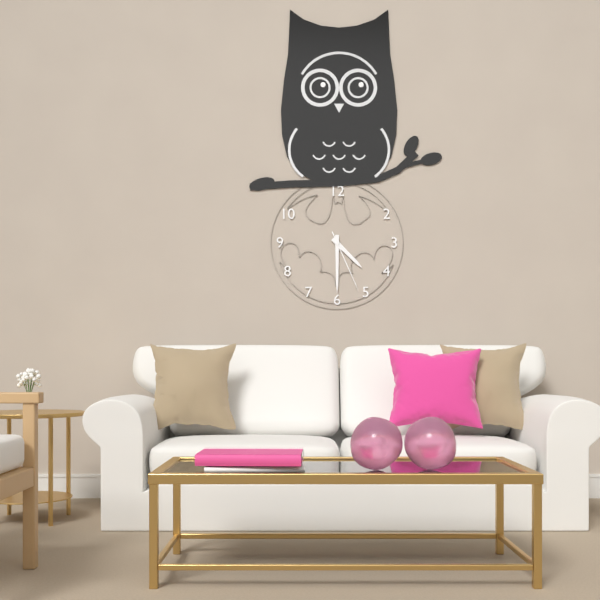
4:30:26
